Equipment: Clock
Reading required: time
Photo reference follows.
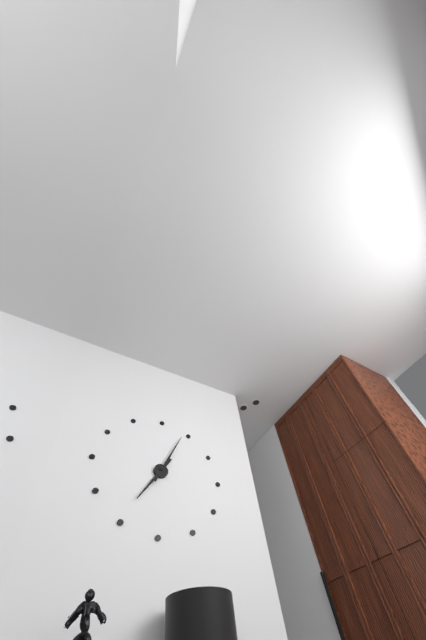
7:04
